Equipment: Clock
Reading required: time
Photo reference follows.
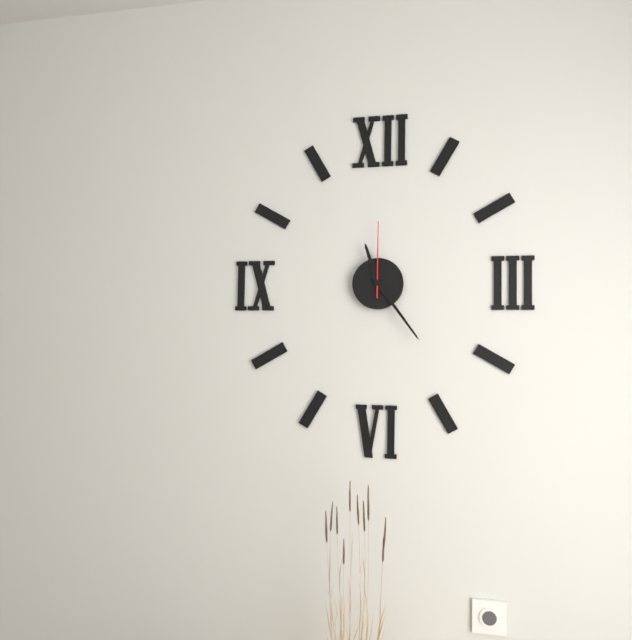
11:24:00
